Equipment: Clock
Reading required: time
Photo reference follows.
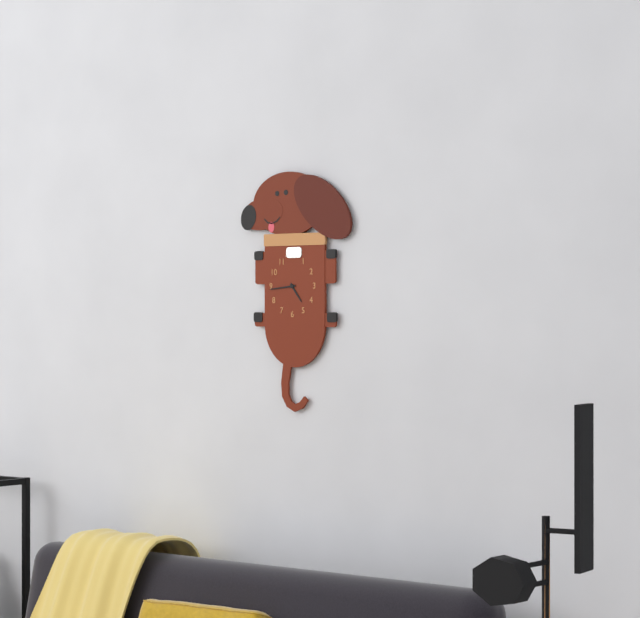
4:44
